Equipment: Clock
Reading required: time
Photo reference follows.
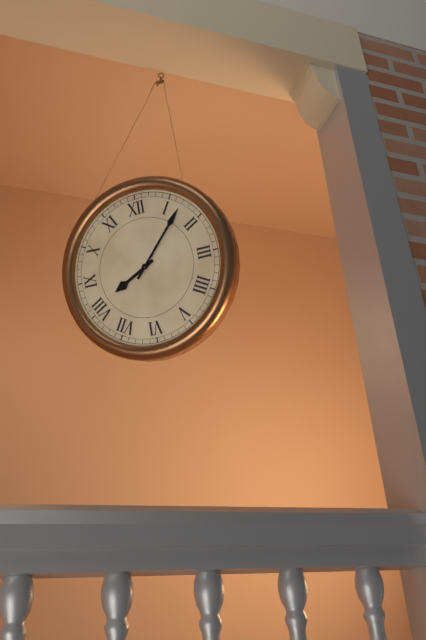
8:07
